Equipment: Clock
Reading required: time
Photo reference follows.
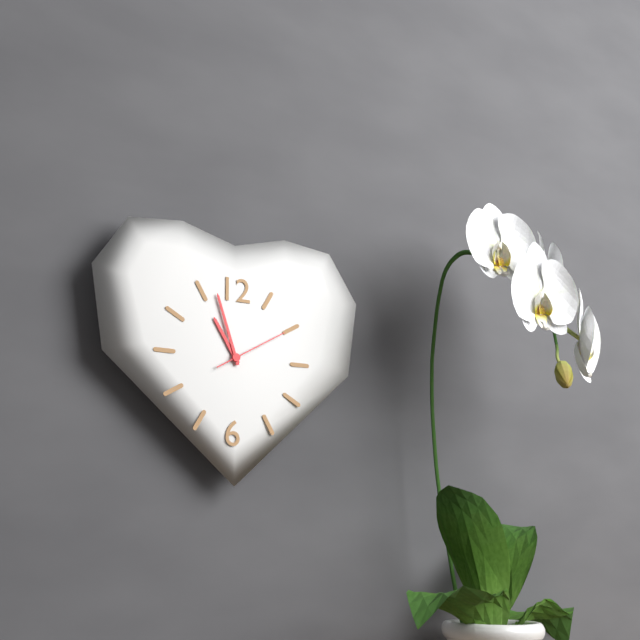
10:57:10
